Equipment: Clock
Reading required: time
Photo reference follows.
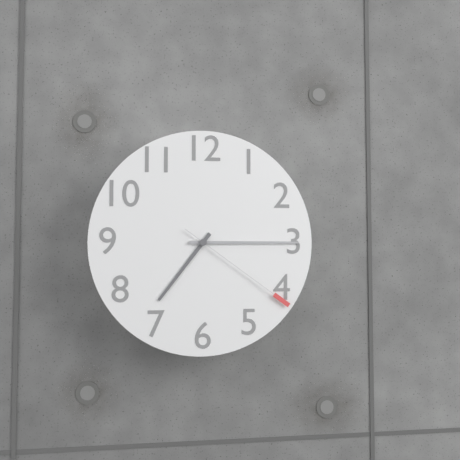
7:15:21
